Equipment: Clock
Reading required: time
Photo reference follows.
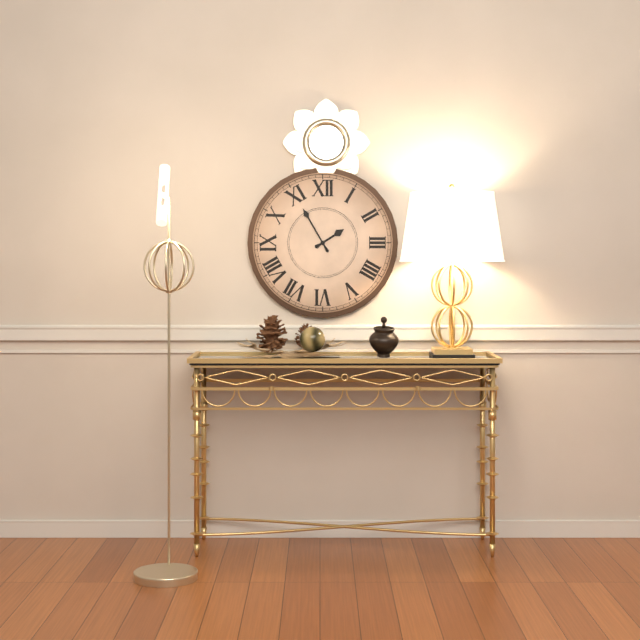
1:55
